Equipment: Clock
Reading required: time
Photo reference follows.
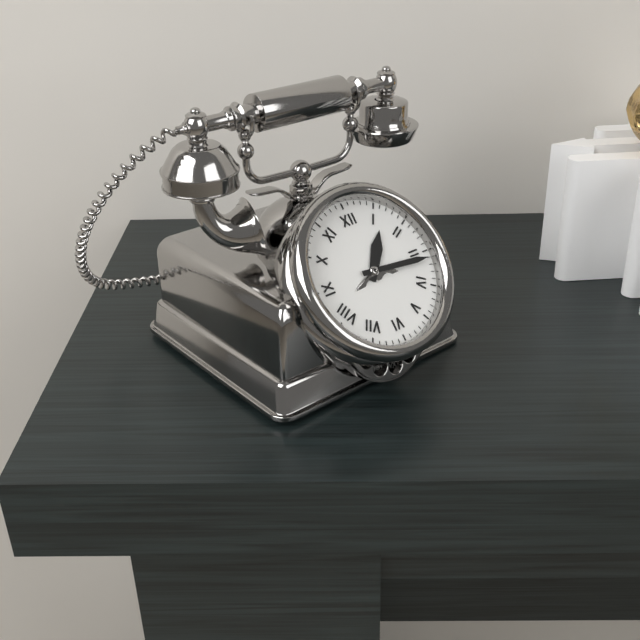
1:16
